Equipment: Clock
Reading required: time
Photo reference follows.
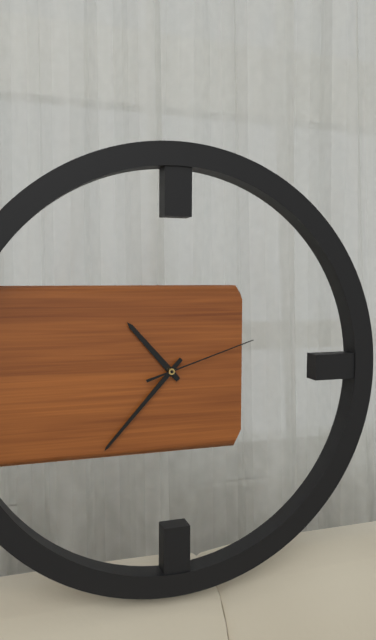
10:37:12
